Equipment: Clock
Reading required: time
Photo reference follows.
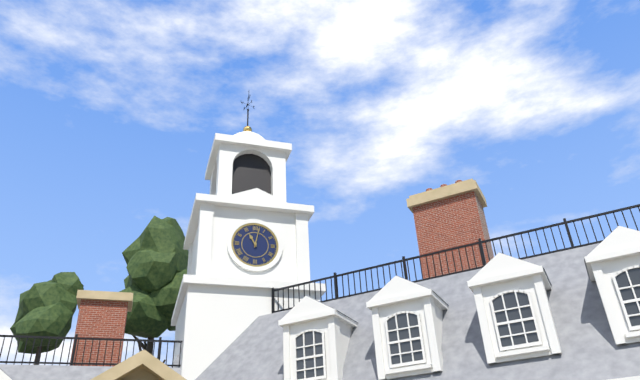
11:02
